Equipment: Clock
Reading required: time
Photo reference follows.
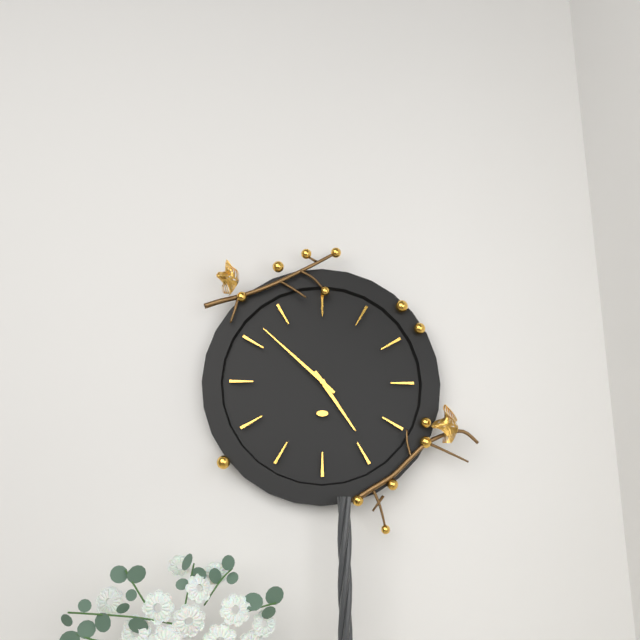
4:52
